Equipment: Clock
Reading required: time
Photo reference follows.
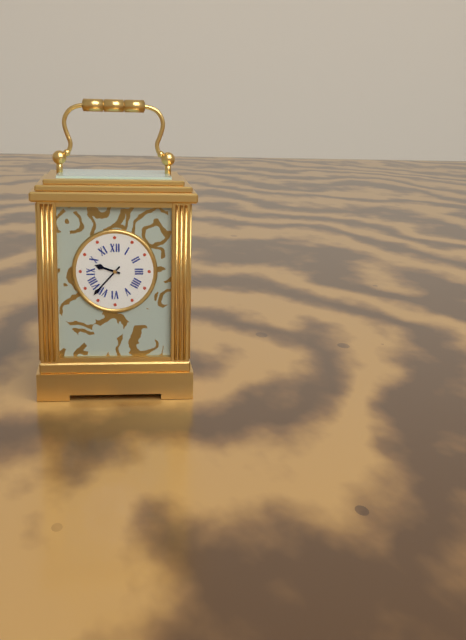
9:37
